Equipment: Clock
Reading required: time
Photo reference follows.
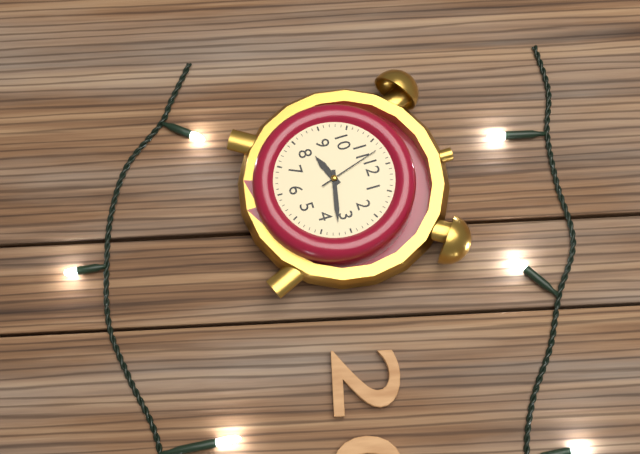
8:17:57
